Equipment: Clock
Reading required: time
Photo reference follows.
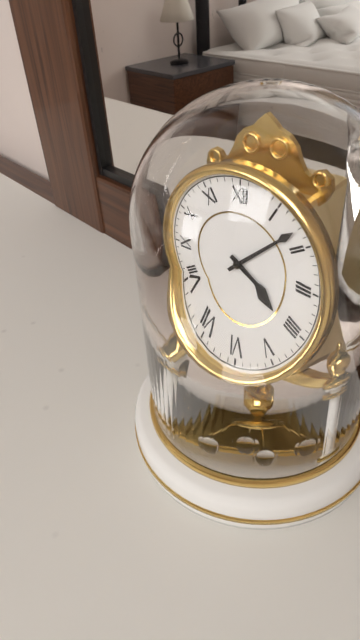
4:08
